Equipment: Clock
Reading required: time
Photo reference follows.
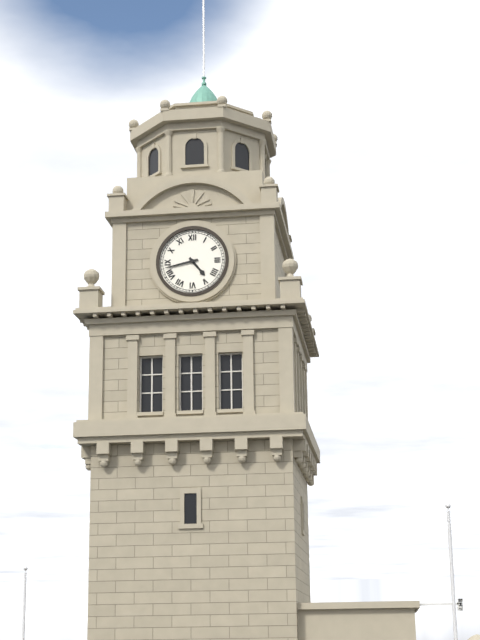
4:43
